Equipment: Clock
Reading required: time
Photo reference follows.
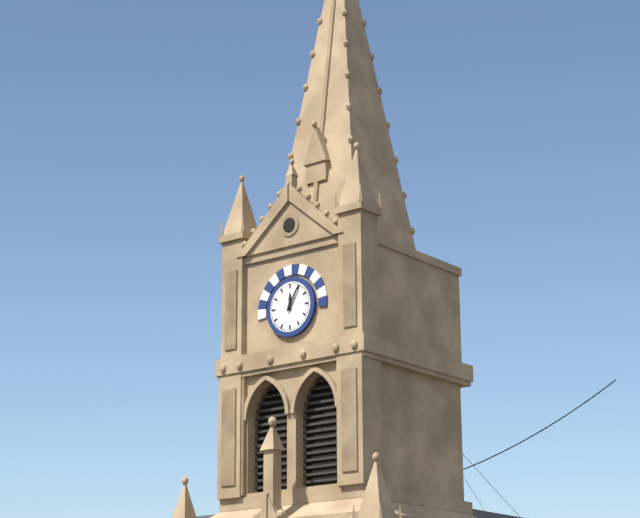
12:05
